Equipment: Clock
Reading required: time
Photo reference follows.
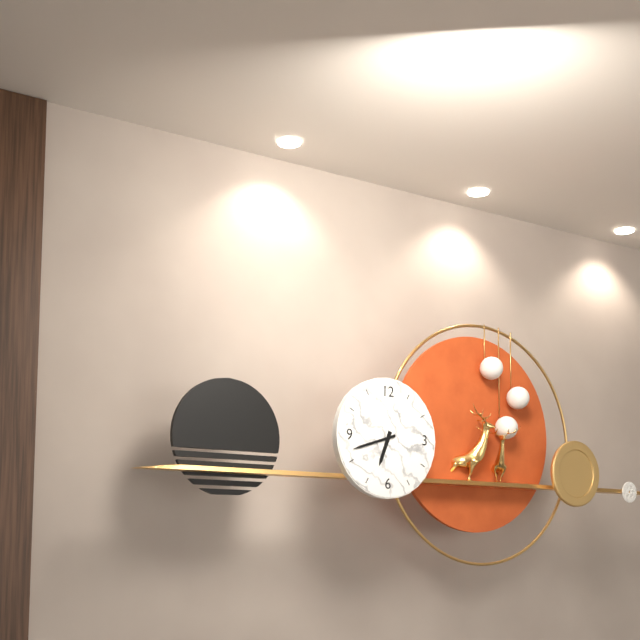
6:42
